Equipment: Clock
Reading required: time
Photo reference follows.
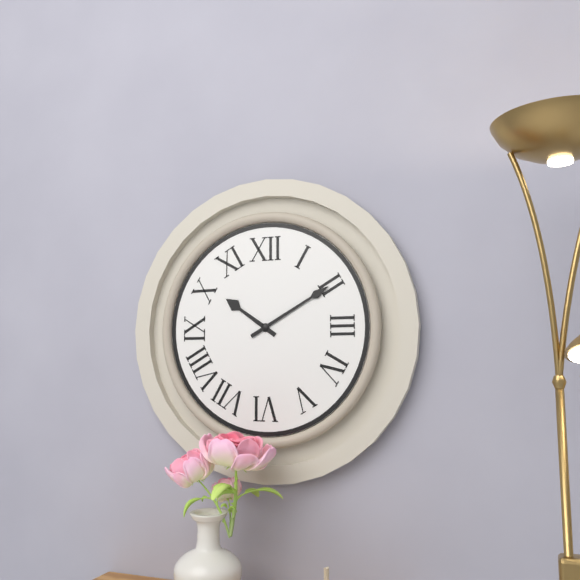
10:10
